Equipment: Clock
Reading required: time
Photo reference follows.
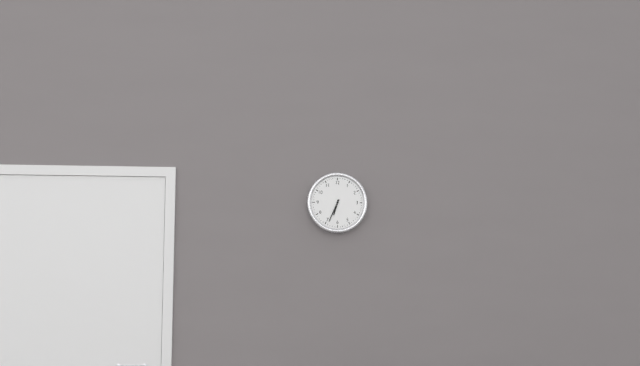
6:34
